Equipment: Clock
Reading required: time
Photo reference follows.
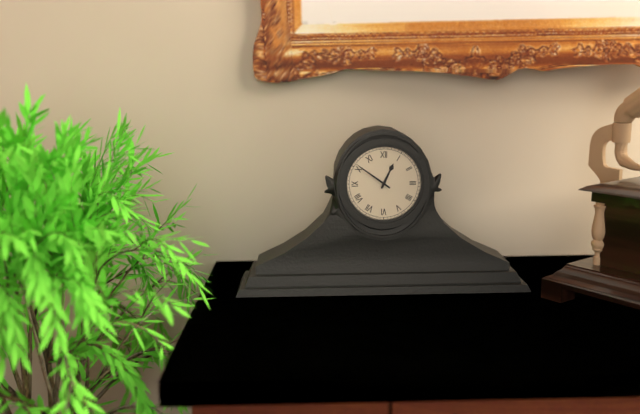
12:51
